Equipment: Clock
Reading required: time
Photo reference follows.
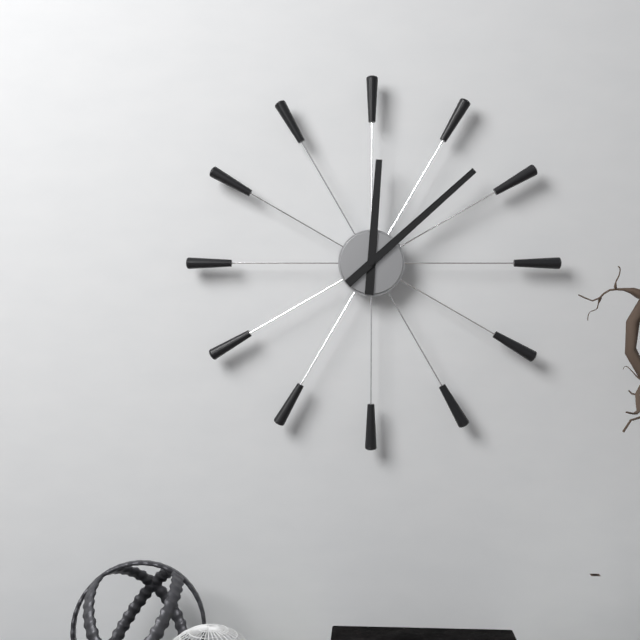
12:08
